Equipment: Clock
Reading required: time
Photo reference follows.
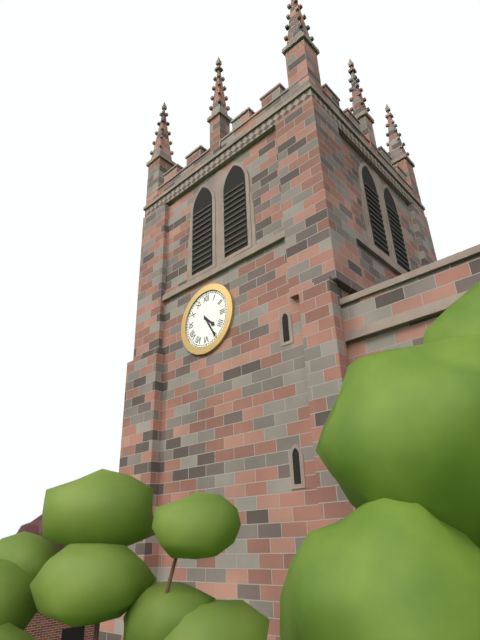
4:25
